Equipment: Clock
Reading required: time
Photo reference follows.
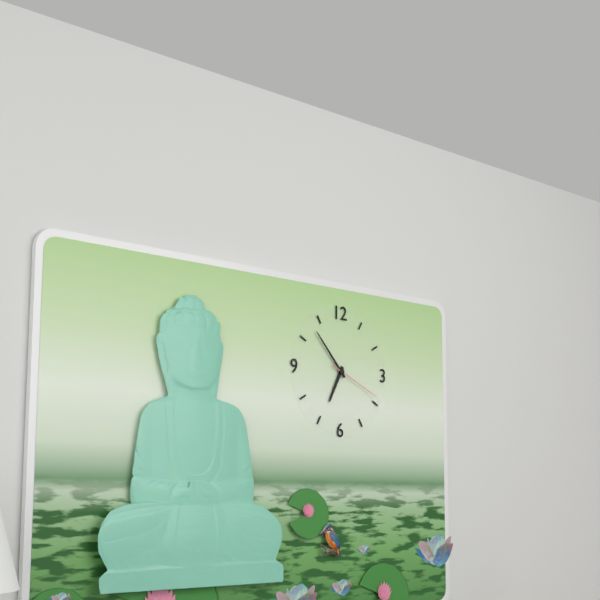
6:53:19
